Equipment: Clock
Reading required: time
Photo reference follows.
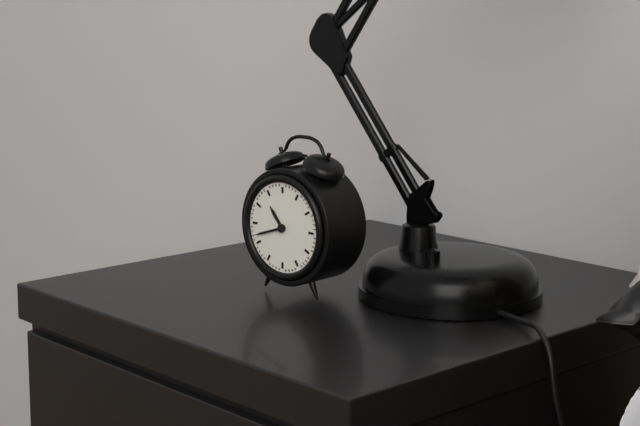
10:42
